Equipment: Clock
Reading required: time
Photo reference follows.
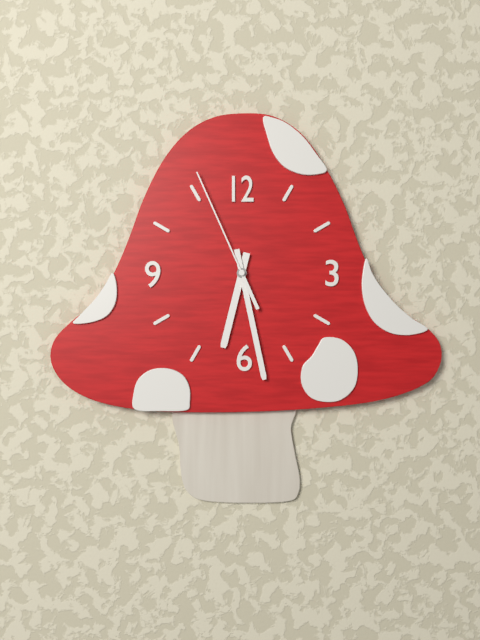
6:28:56
